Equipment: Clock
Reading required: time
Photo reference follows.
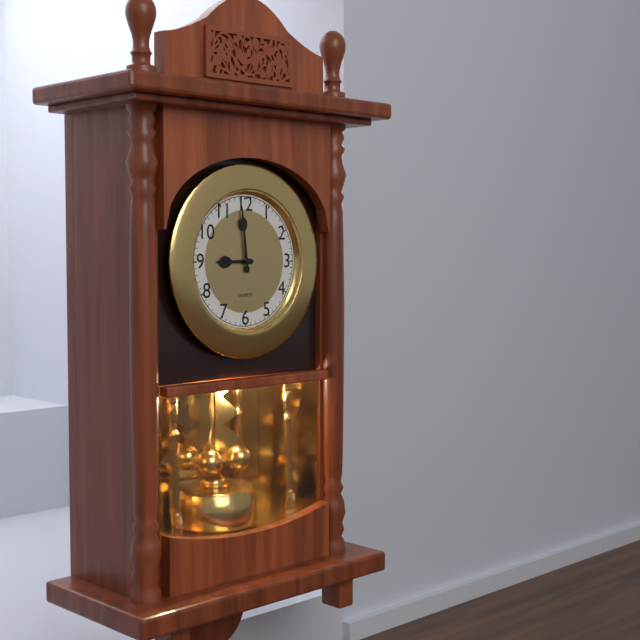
8:59
